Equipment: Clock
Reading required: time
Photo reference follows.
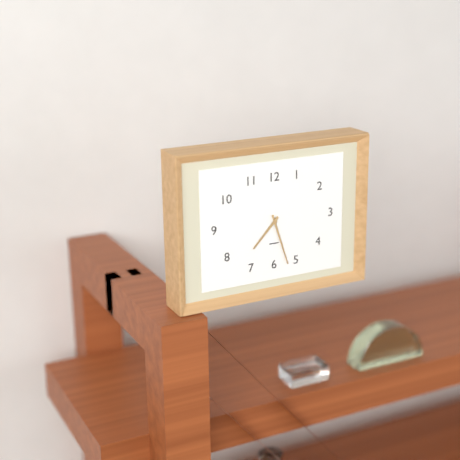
7:27
